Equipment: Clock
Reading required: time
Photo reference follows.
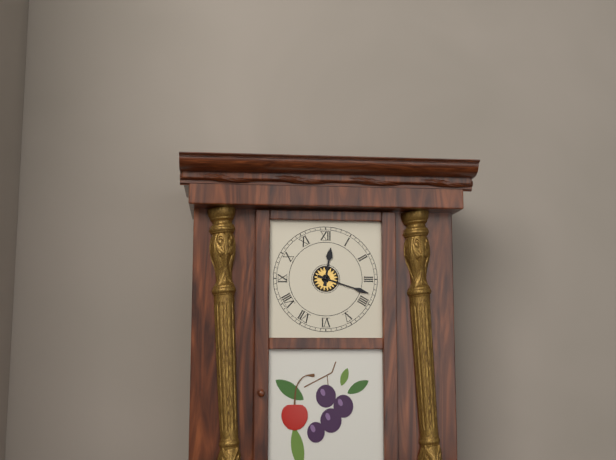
12:18
